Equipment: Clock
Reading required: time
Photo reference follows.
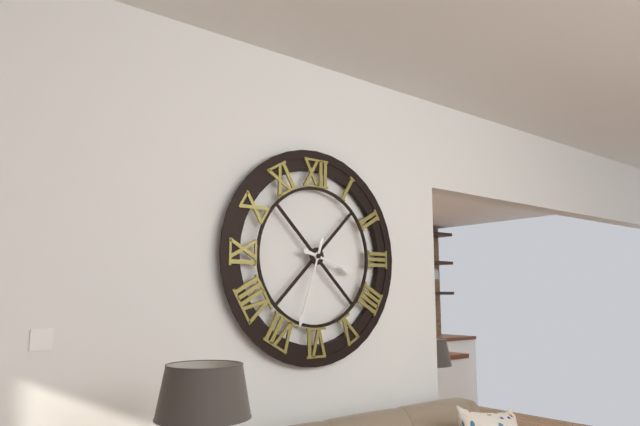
3:33
